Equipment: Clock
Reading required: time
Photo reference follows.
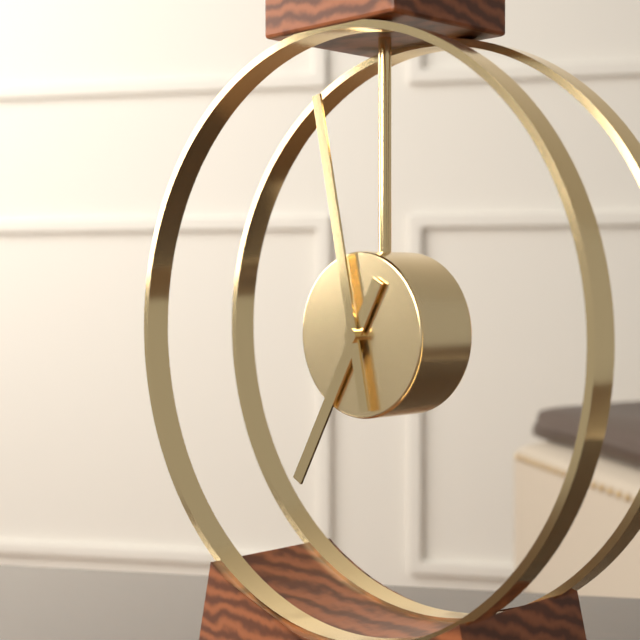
6:58
